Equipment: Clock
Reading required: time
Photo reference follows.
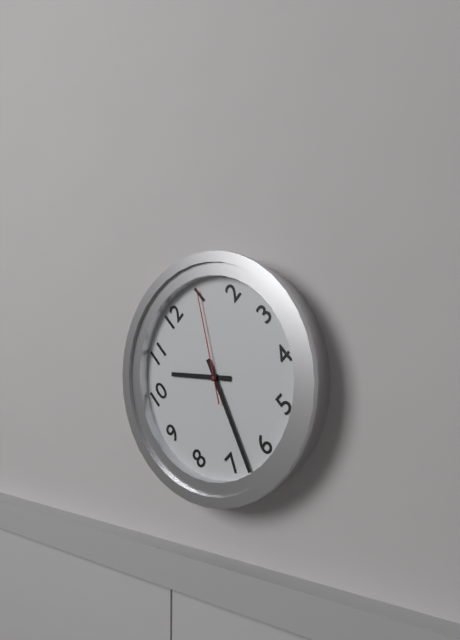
10:33:05
